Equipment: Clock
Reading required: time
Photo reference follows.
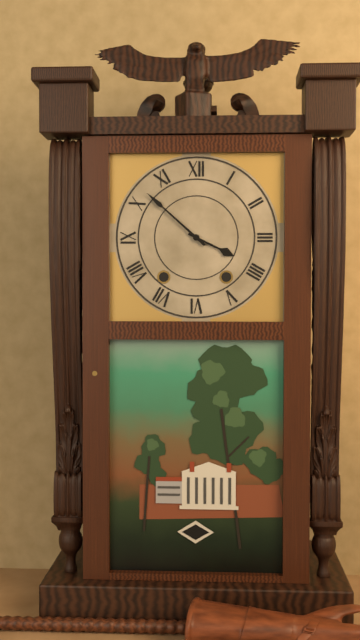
3:52
